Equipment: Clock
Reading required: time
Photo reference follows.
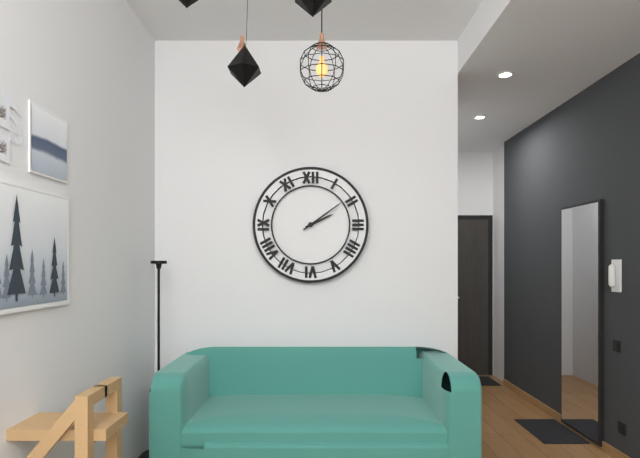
2:09
